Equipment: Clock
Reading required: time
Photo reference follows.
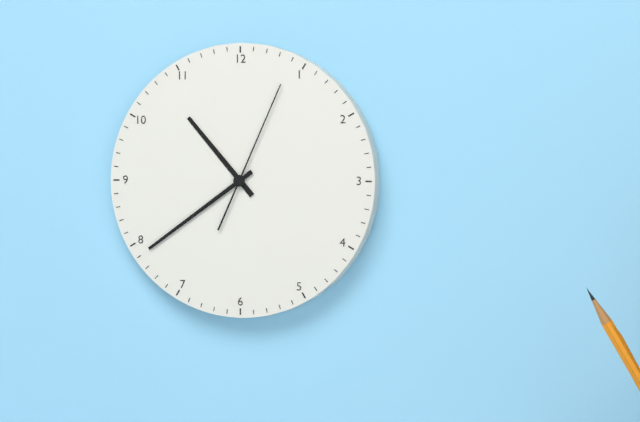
10:39:04
